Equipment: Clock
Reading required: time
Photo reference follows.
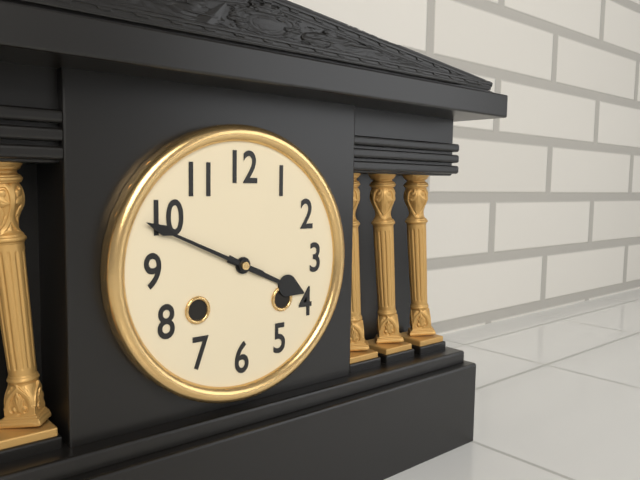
3:49
